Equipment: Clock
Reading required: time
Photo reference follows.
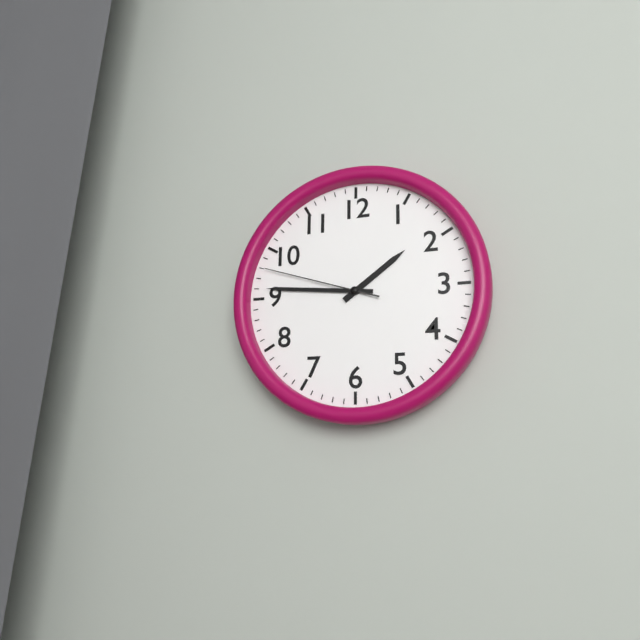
1:46:48
